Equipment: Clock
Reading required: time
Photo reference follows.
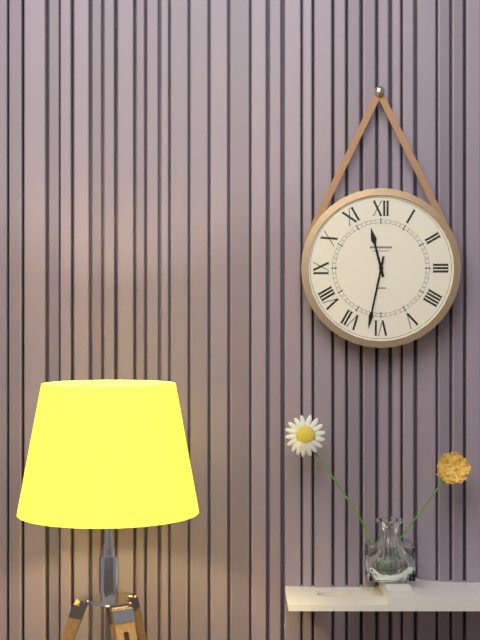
11:32
